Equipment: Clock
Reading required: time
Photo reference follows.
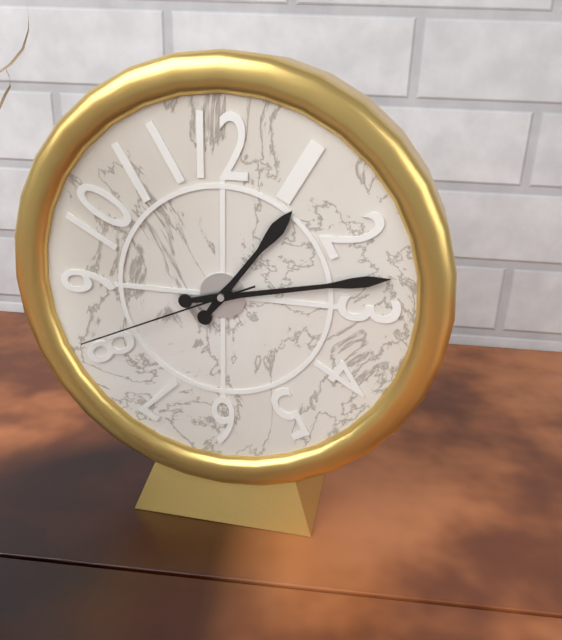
1:13:41
